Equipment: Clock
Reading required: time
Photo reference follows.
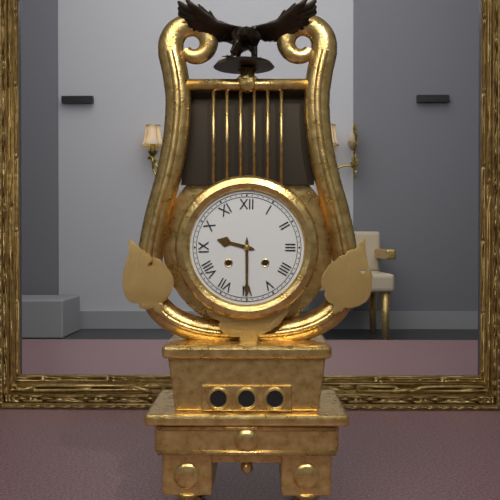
9:30
